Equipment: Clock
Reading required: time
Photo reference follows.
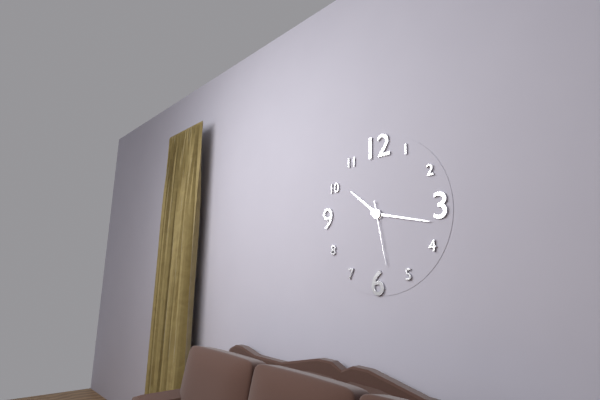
10:17:28
